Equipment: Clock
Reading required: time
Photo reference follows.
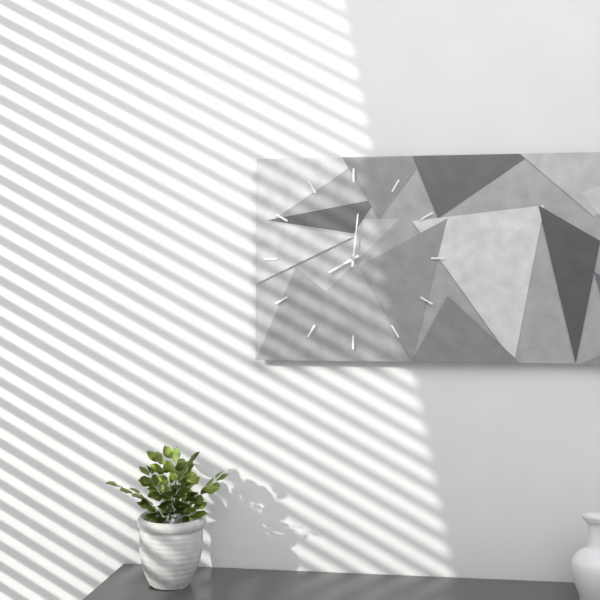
8:01
